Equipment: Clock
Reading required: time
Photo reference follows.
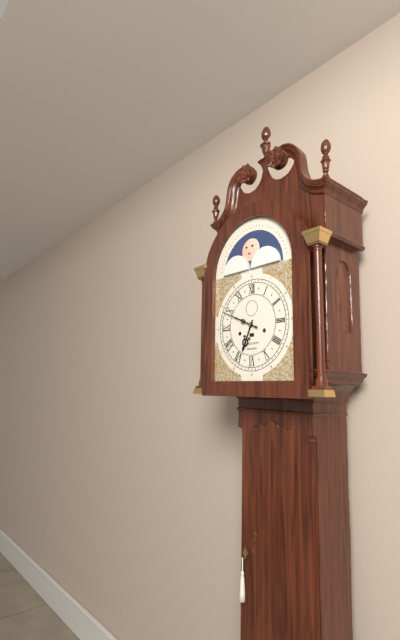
6:49
